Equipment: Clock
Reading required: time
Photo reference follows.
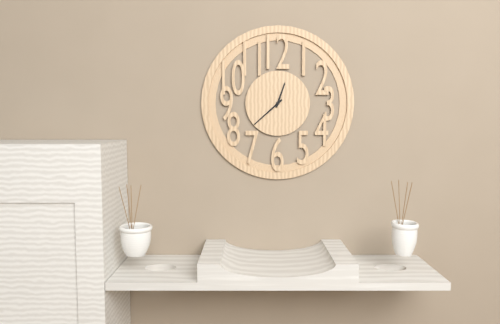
12:38
